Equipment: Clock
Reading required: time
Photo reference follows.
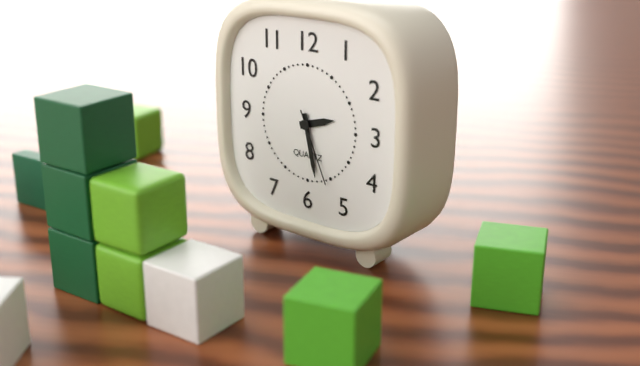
2:28:26
